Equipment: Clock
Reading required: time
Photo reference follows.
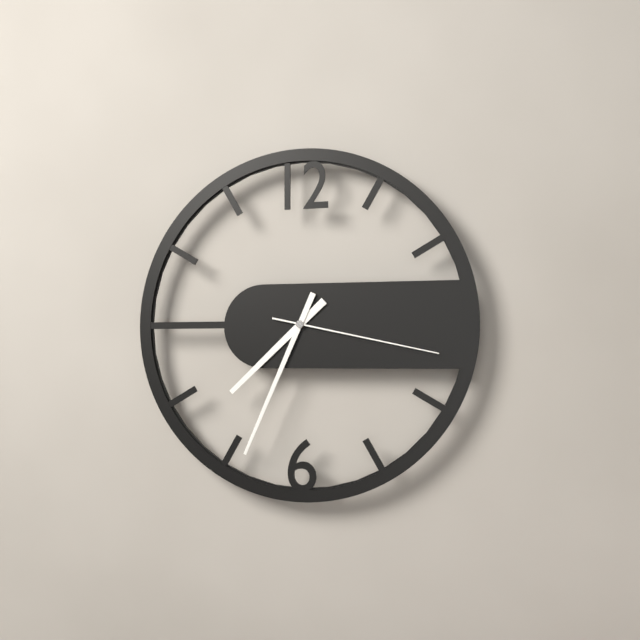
7:34:17
